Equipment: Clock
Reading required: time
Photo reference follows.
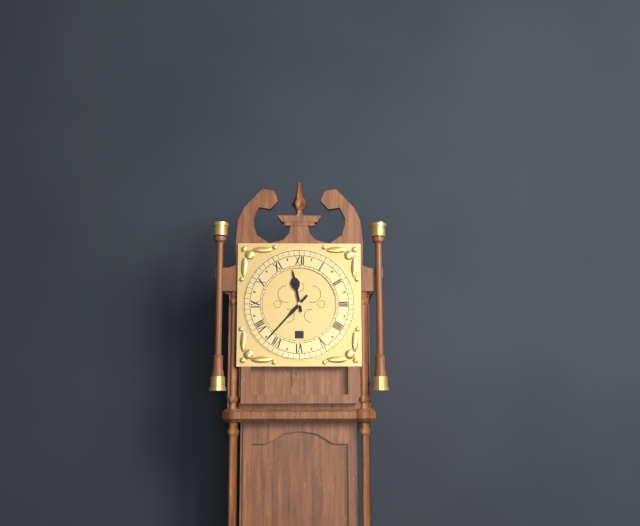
11:37
